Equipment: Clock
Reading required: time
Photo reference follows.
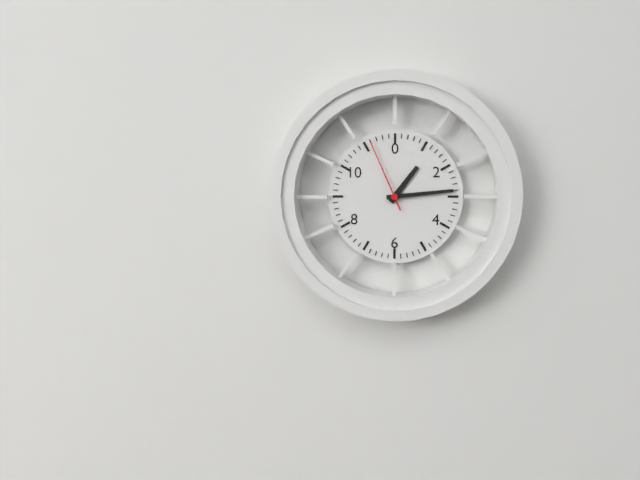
1:14:56
